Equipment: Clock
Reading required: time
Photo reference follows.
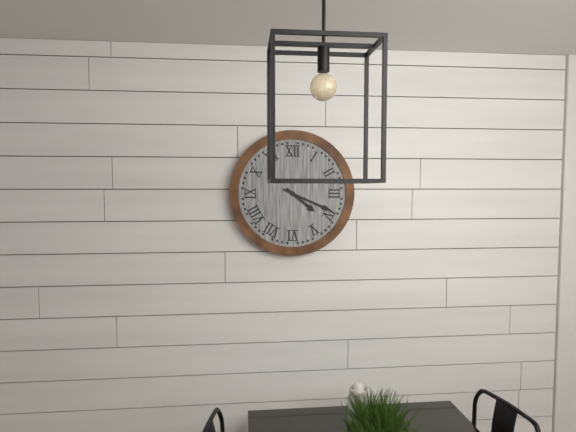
4:19
